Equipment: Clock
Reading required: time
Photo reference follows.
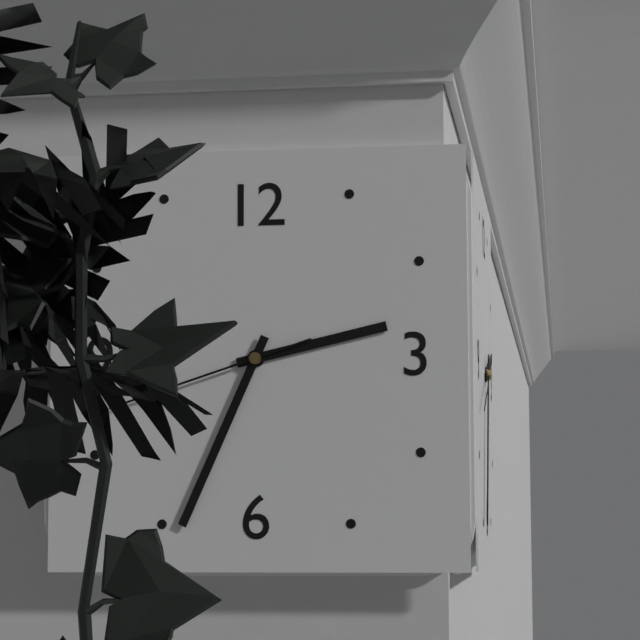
2:34:42
